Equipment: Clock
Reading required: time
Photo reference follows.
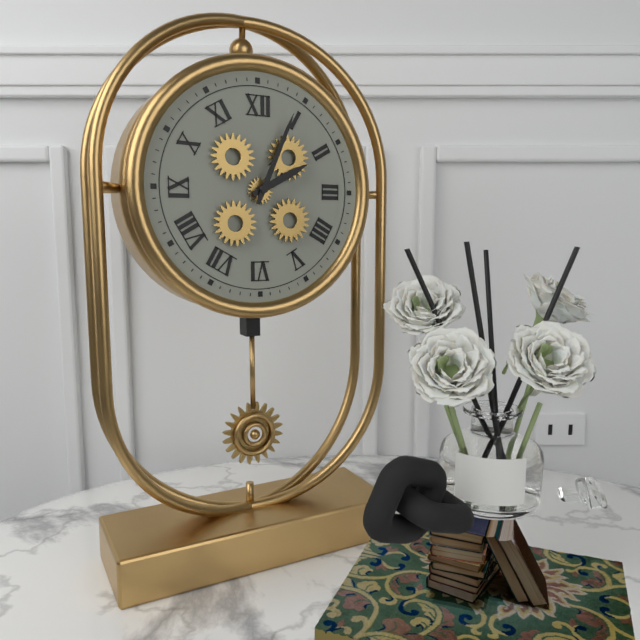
2:04
